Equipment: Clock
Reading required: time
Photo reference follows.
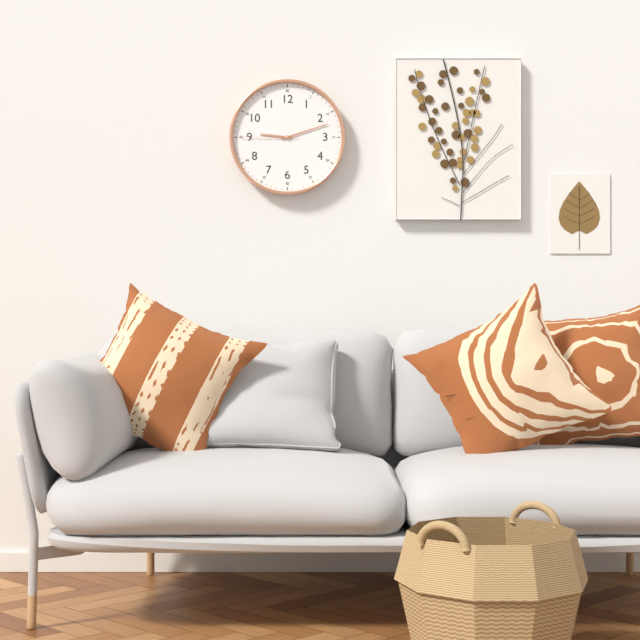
9:12:45
